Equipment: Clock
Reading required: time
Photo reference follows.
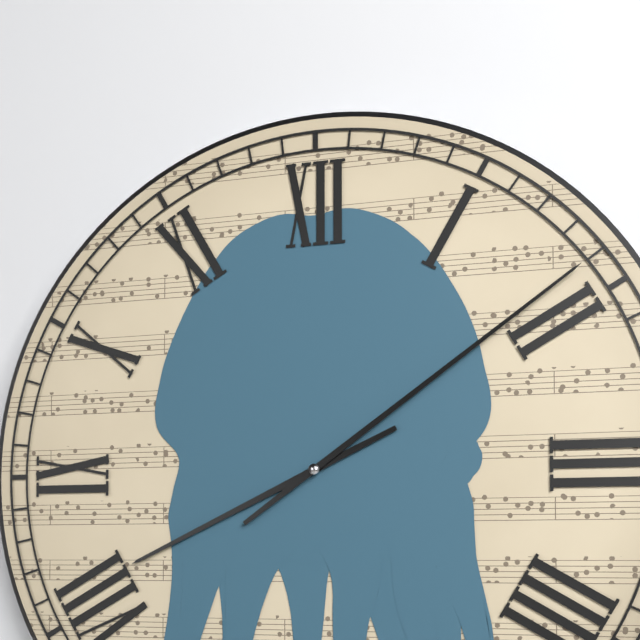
8:09
